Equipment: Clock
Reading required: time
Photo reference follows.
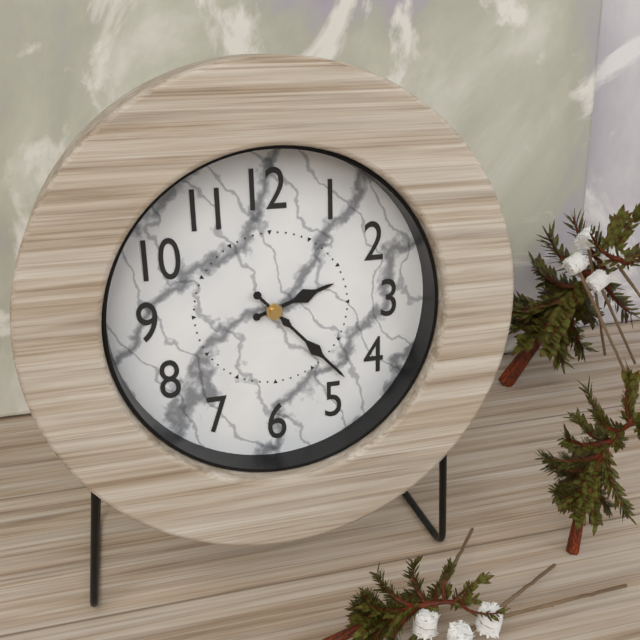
2:23
